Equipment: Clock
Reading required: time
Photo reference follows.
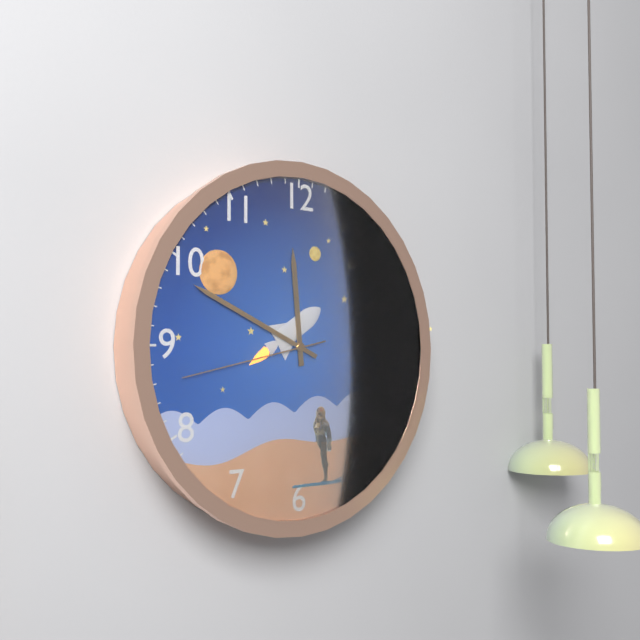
11:49:43
